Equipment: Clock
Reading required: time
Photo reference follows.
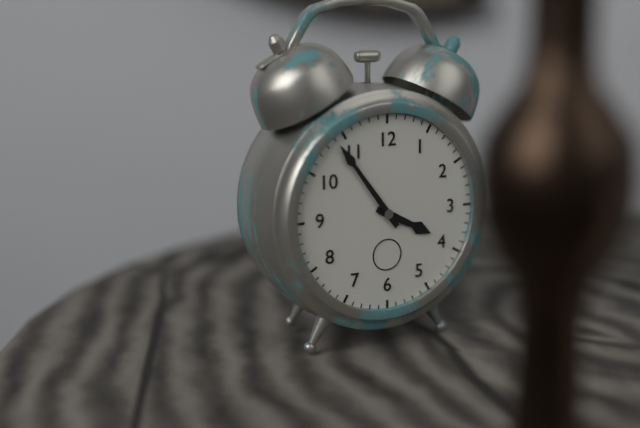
3:54
